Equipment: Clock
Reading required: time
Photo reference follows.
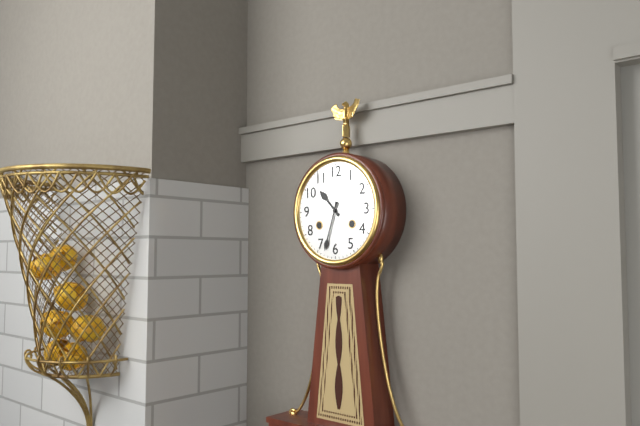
10:33
